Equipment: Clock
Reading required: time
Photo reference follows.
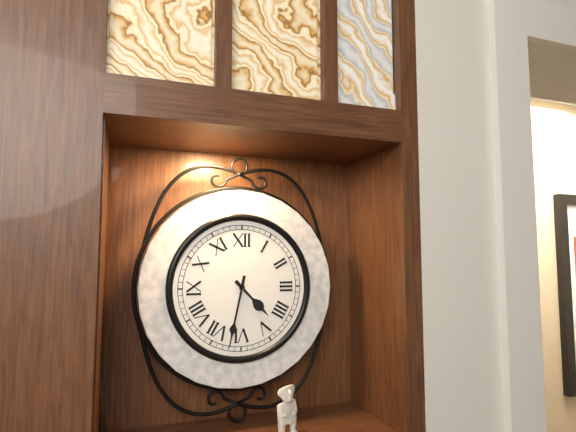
4:32
